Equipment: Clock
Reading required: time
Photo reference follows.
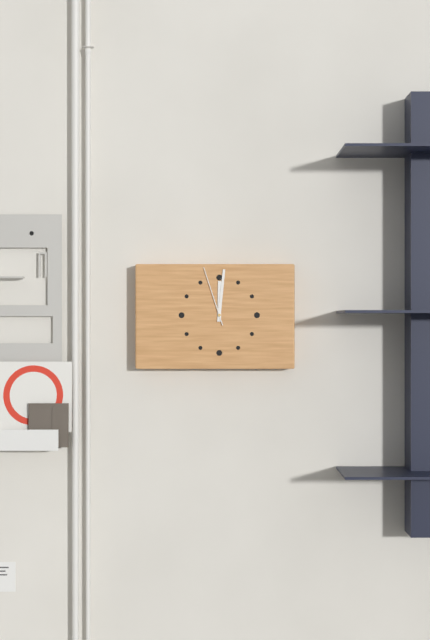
12:01:57
